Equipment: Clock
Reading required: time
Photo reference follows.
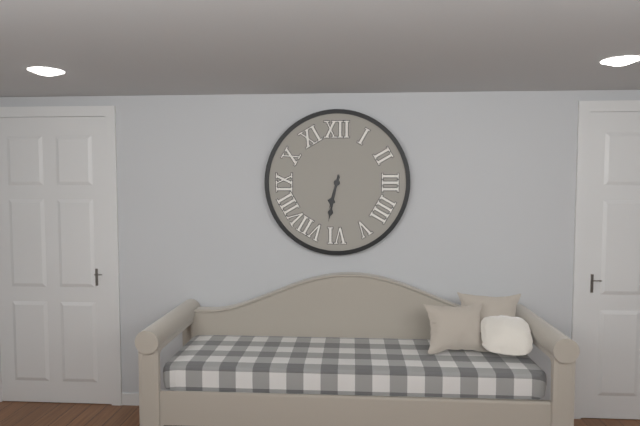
6:32
